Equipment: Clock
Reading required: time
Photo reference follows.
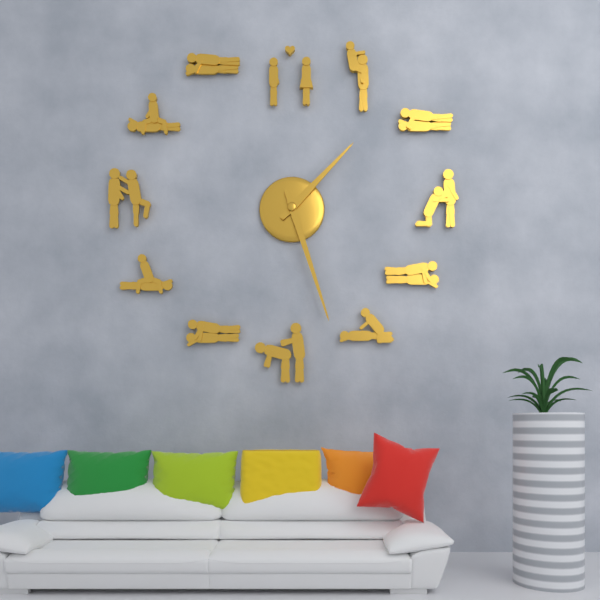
1:27
